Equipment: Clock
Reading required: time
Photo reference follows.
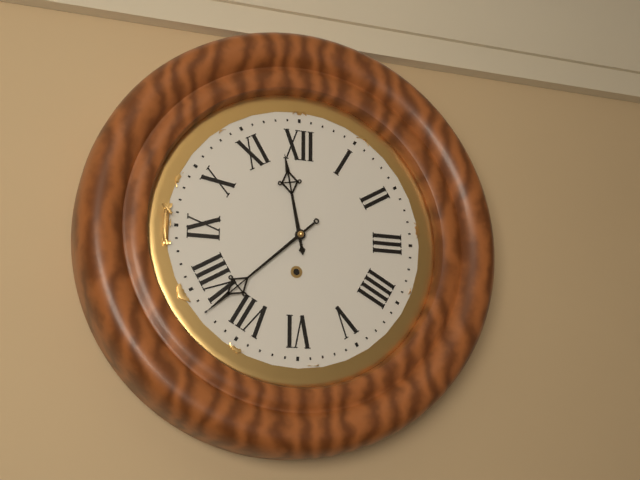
11:38
